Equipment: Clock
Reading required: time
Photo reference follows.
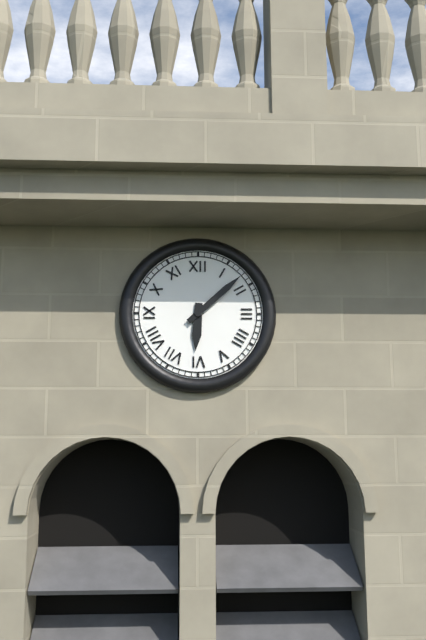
6:08
